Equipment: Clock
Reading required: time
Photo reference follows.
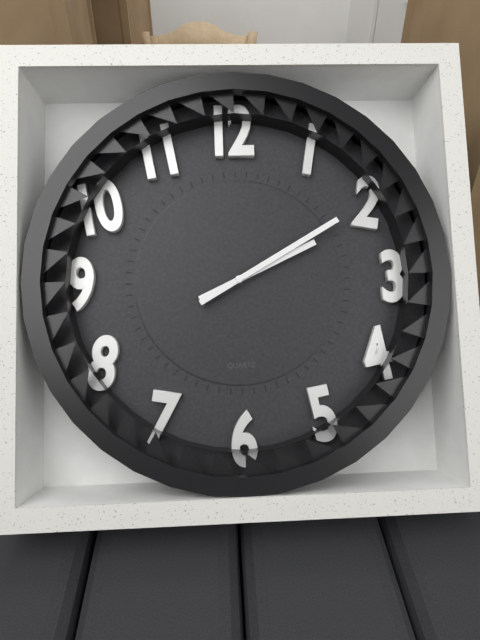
2:10
